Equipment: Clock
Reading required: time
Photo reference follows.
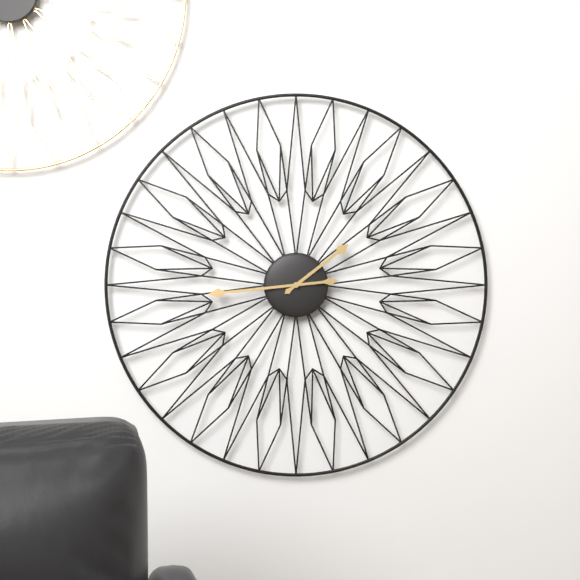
1:44
